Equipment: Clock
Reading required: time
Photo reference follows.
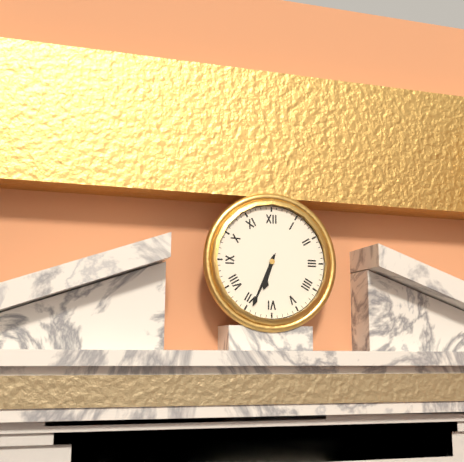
6:34
